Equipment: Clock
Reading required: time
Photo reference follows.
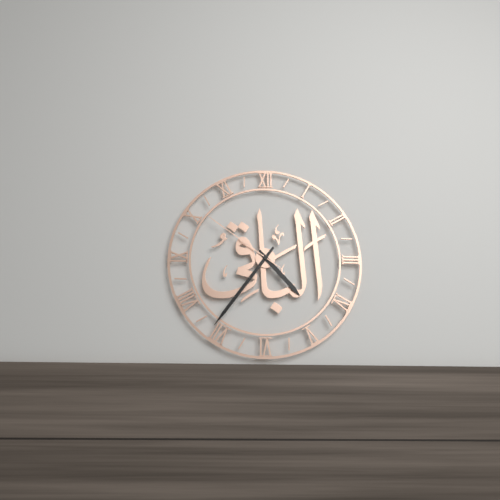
4:36:51
